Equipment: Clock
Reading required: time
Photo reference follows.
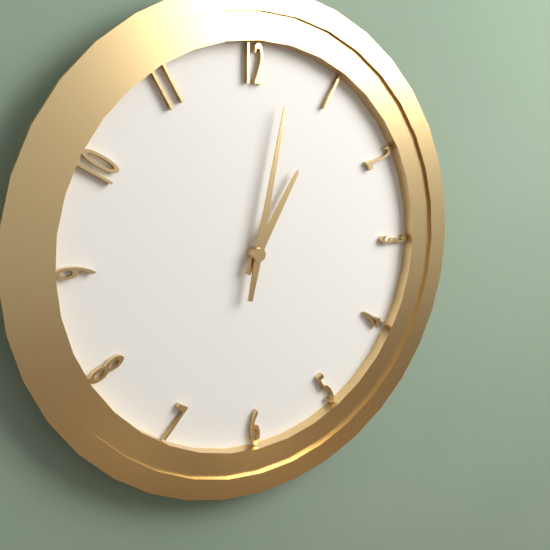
1:02
